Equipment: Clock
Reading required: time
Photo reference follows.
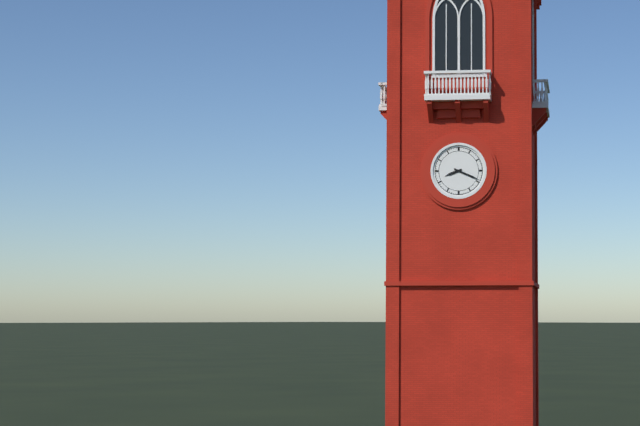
8:19
